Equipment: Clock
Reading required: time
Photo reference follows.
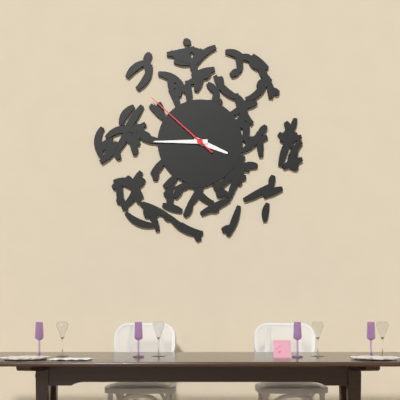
3:45:52
